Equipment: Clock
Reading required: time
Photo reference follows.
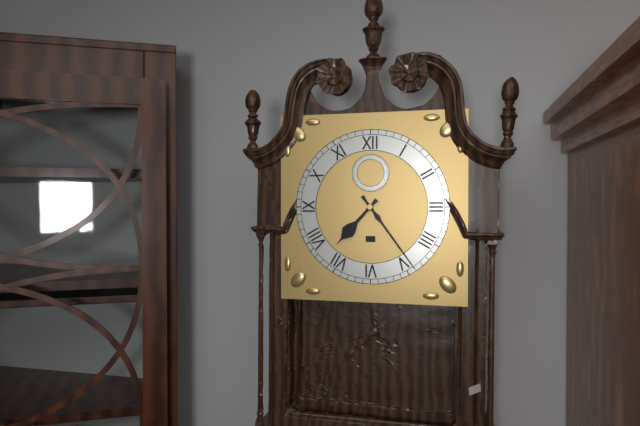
7:24
